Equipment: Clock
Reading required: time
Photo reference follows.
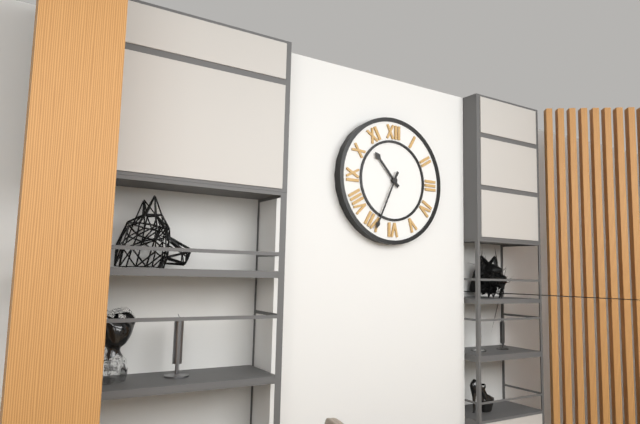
10:34
